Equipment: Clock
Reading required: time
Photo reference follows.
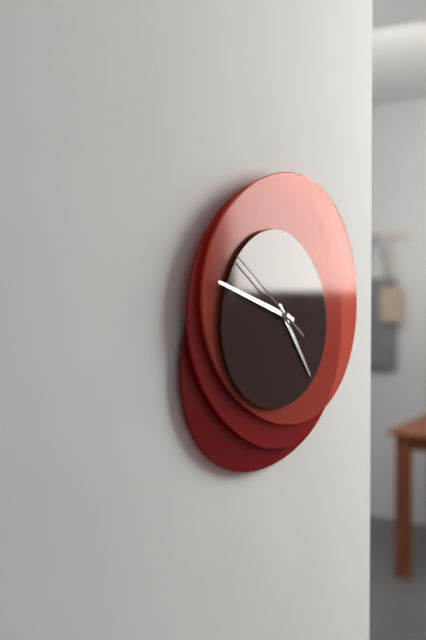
4:48:51
